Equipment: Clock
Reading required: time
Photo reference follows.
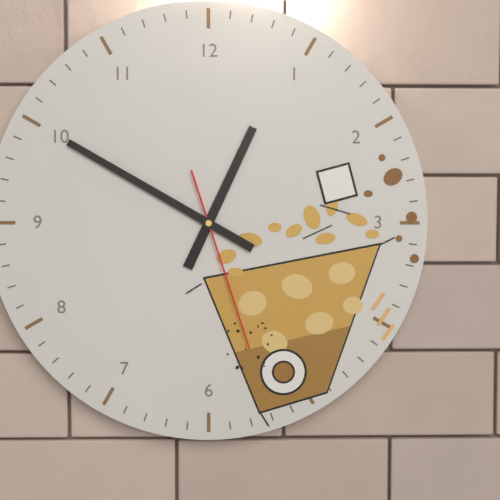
12:50:27
